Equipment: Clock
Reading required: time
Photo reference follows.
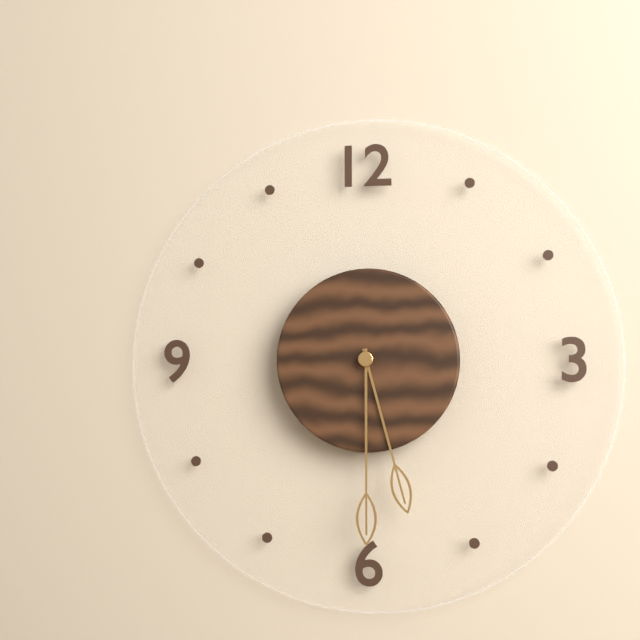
5:30
